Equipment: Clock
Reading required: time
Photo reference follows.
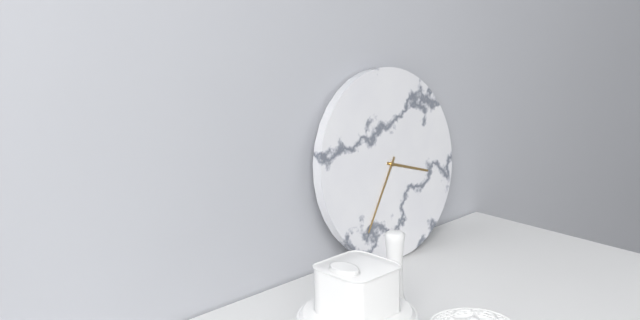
3:36
